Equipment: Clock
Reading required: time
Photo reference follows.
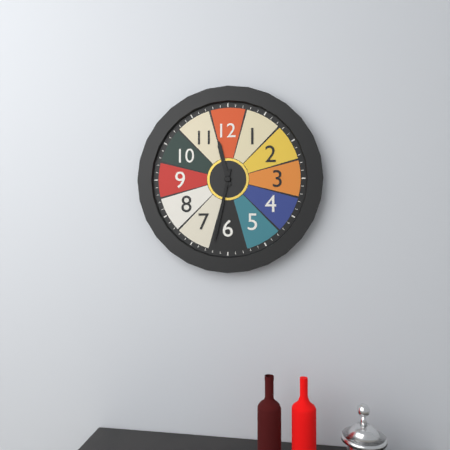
11:32
